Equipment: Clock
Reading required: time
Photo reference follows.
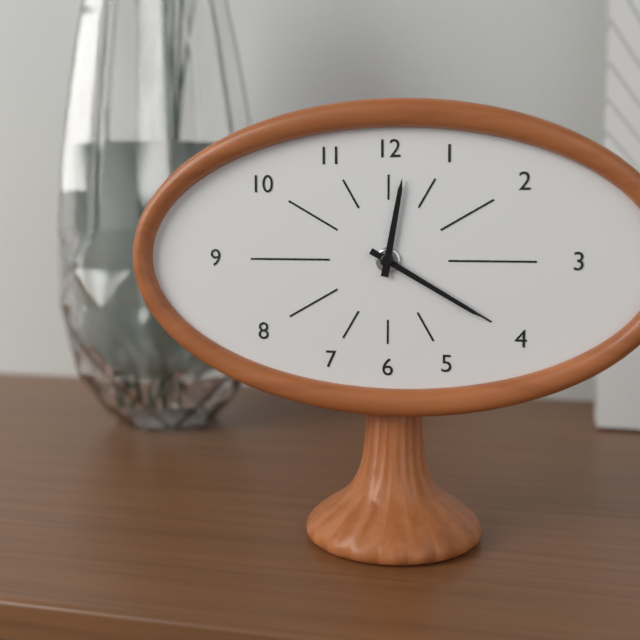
12:20
